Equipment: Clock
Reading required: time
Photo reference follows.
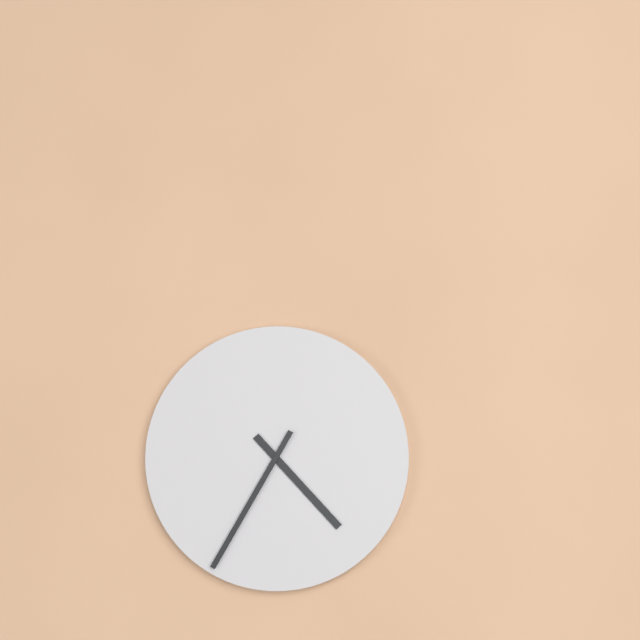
4:35
